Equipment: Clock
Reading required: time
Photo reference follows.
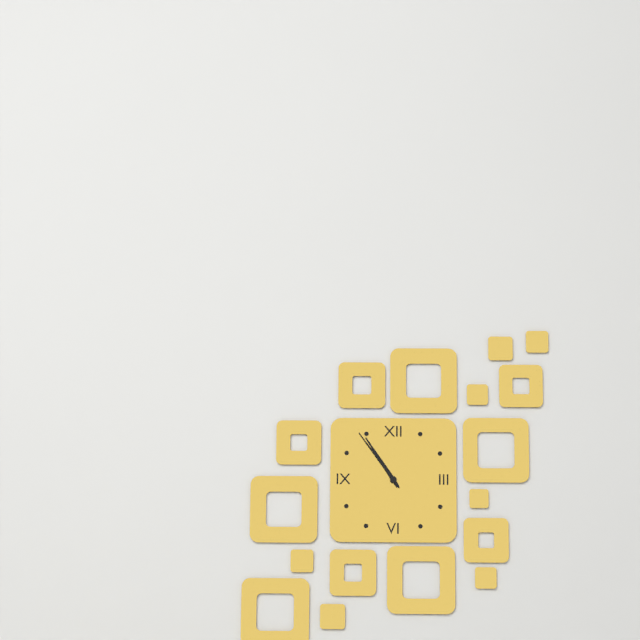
10:54
